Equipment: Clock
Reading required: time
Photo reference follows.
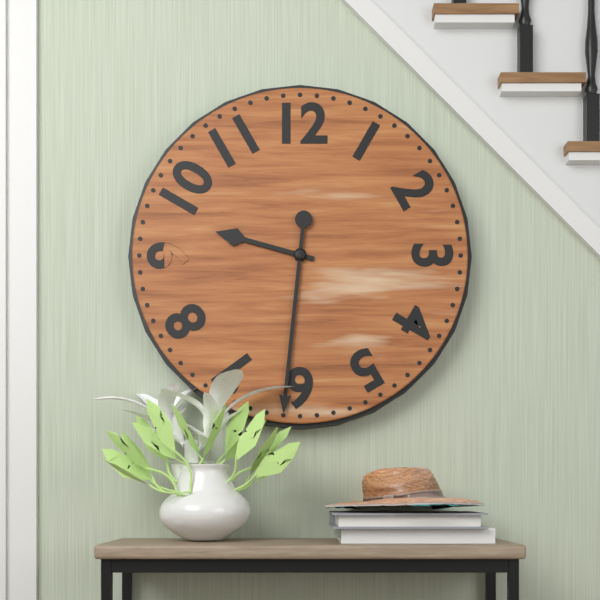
9:31
